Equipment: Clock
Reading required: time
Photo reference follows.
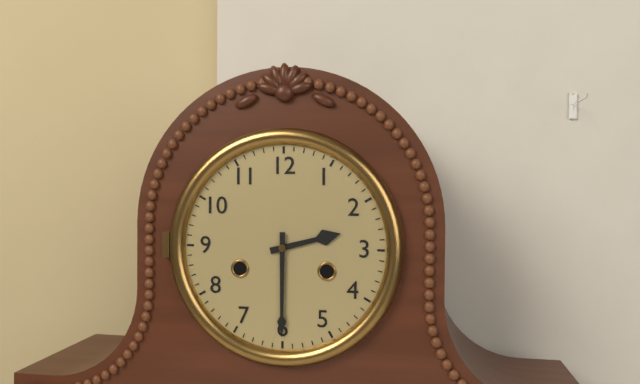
2:30
